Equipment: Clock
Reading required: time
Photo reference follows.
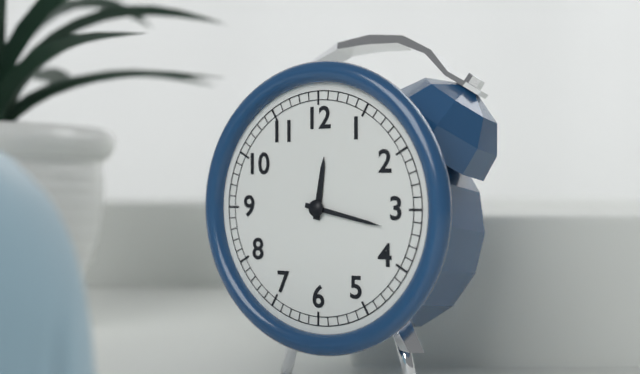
12:17
